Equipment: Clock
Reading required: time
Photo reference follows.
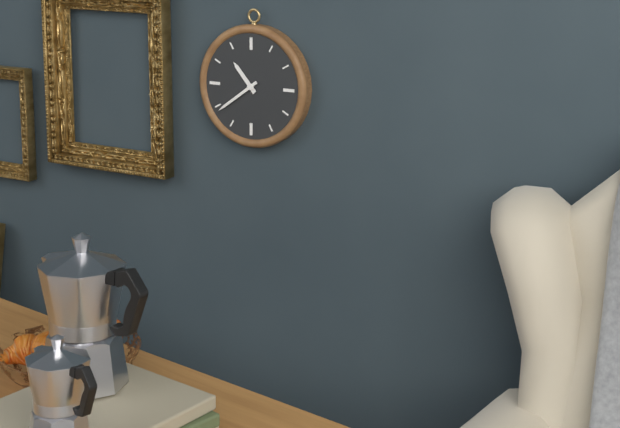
10:39
